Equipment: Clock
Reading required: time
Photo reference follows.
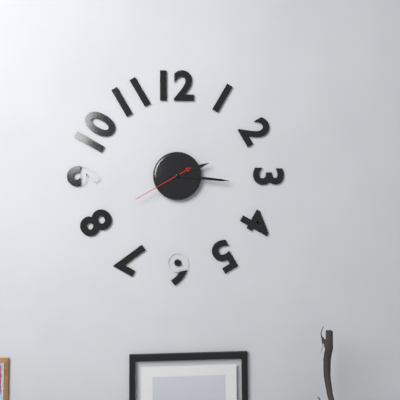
2:16:40
